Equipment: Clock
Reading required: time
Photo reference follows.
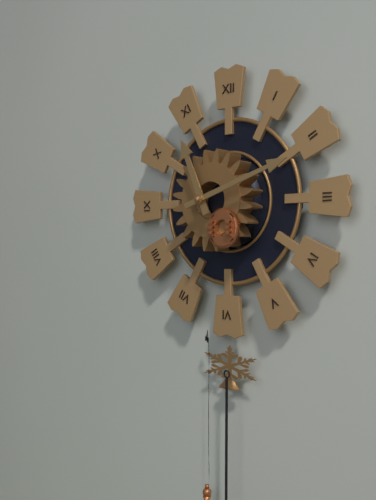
11:12
